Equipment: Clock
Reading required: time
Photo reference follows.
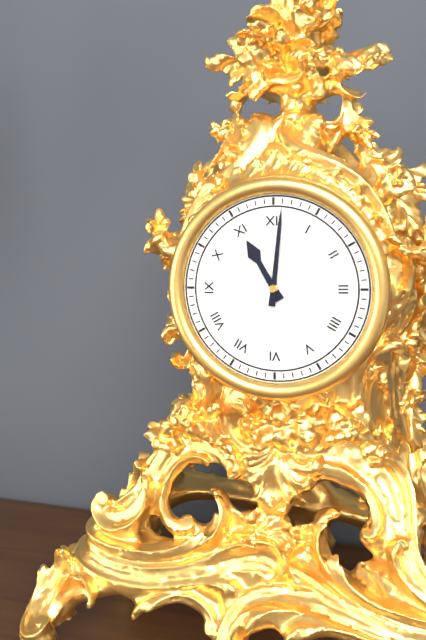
11:01
